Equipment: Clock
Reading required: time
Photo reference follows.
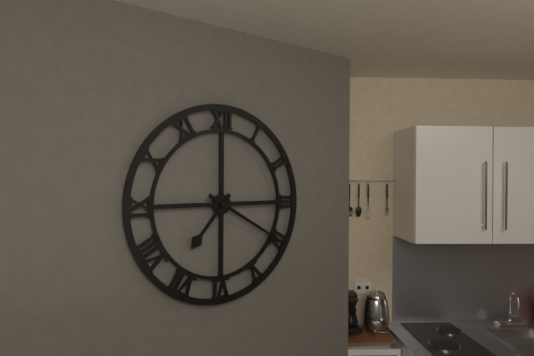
7:20
